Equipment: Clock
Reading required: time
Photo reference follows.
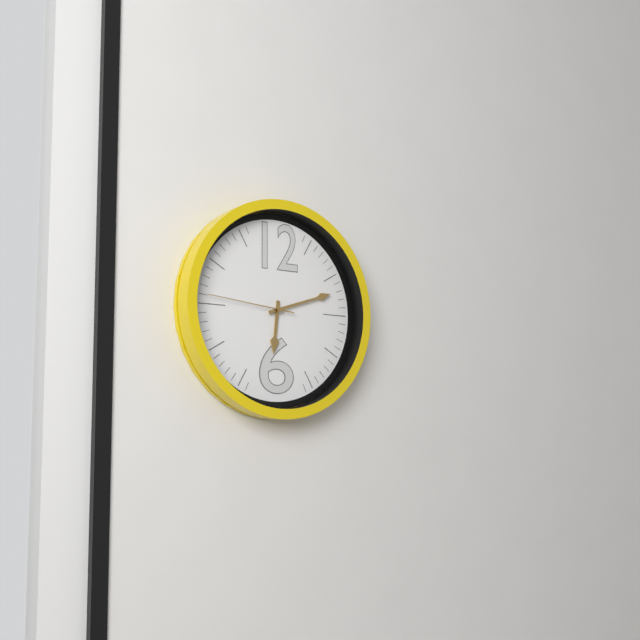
6:12:46
